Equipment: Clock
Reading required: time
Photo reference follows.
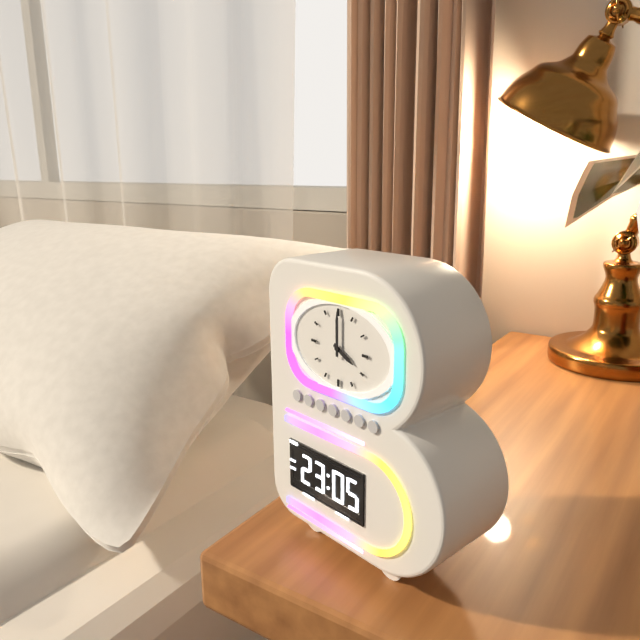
4:00
